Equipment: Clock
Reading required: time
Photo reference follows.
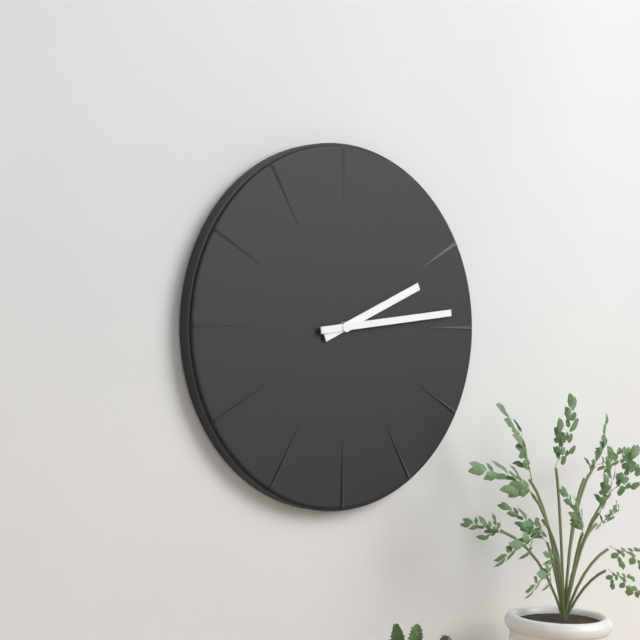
2:14
